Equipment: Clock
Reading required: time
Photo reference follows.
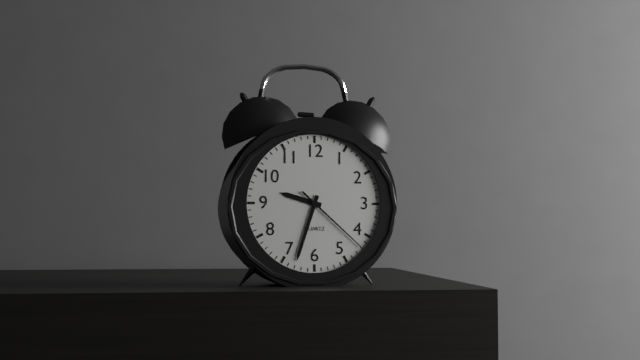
9:33:22
